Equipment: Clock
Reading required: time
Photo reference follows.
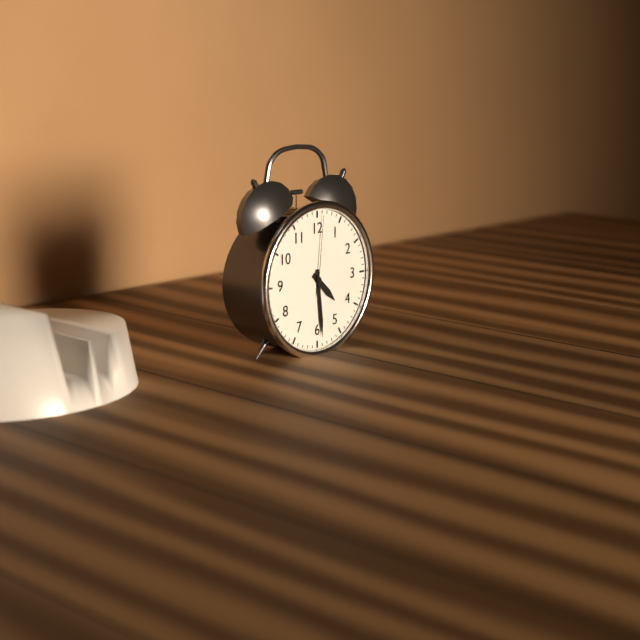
4:29:01
